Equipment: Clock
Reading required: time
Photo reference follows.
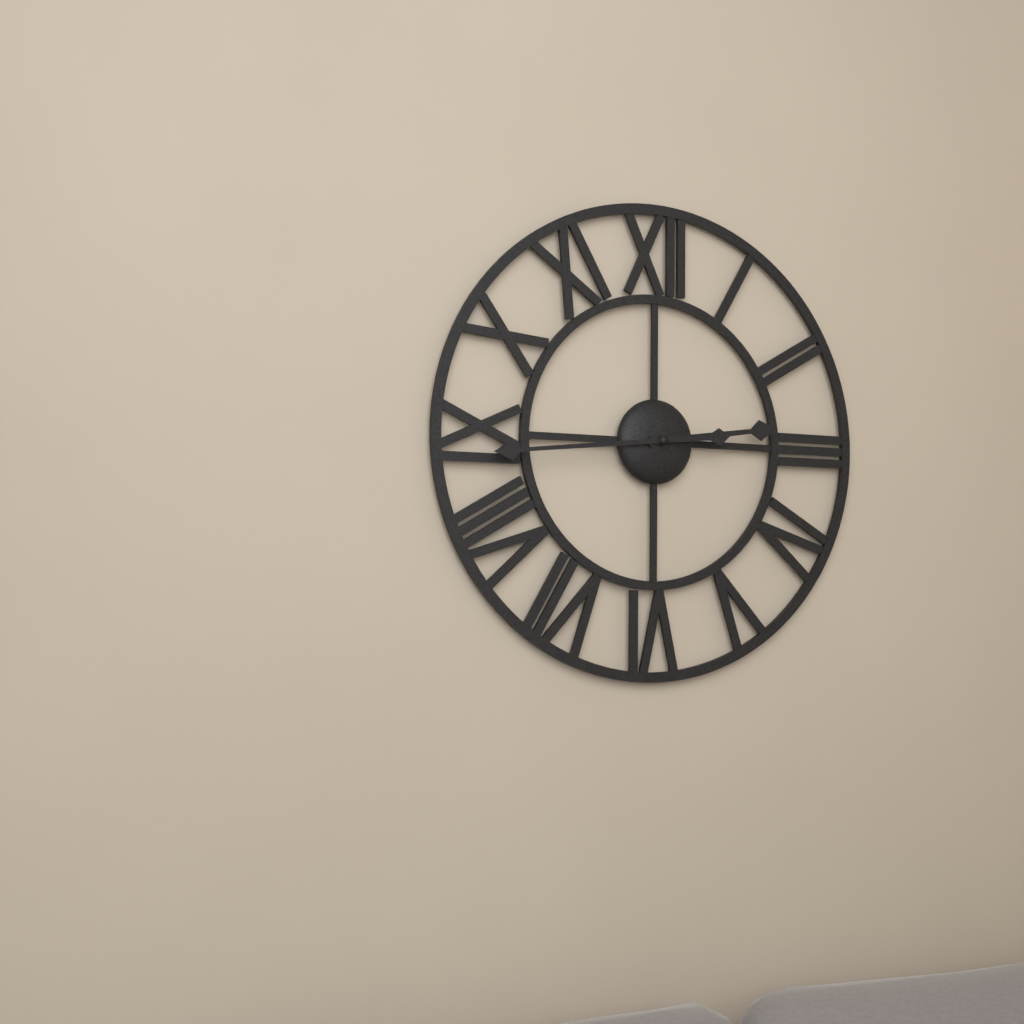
2:44
